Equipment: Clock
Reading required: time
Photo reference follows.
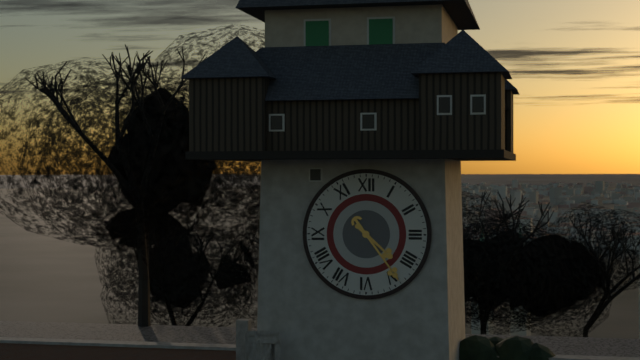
4:24
